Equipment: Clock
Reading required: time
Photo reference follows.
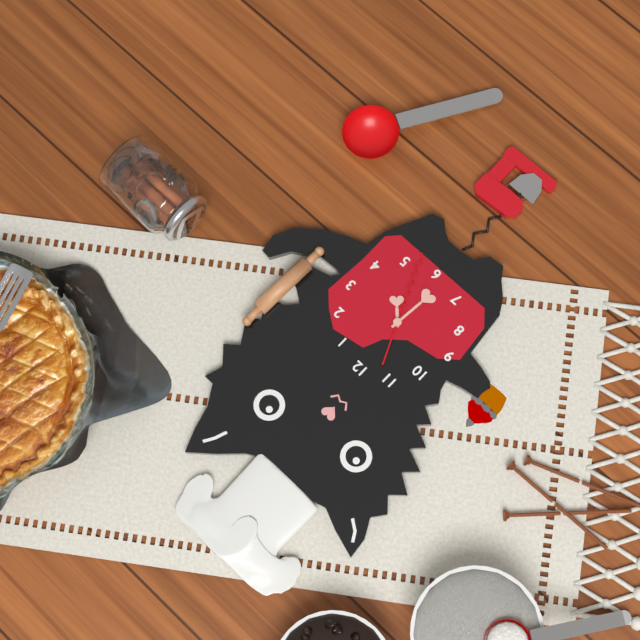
4:31:26
